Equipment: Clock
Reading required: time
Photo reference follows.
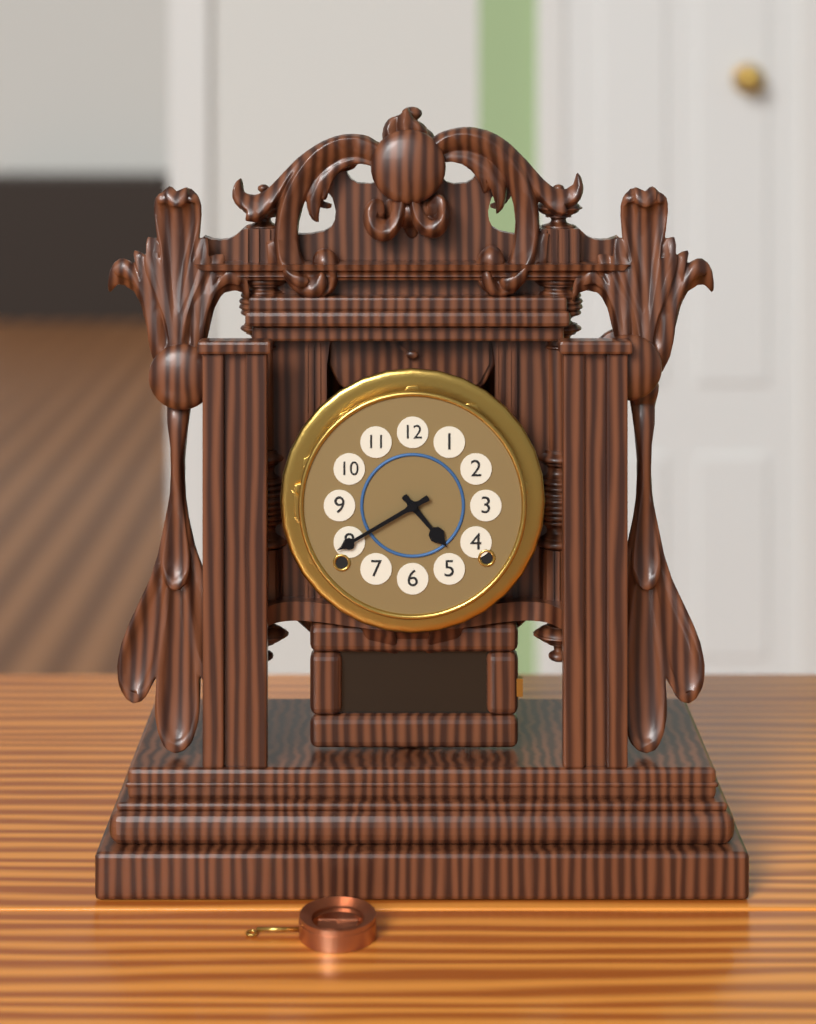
4:40
